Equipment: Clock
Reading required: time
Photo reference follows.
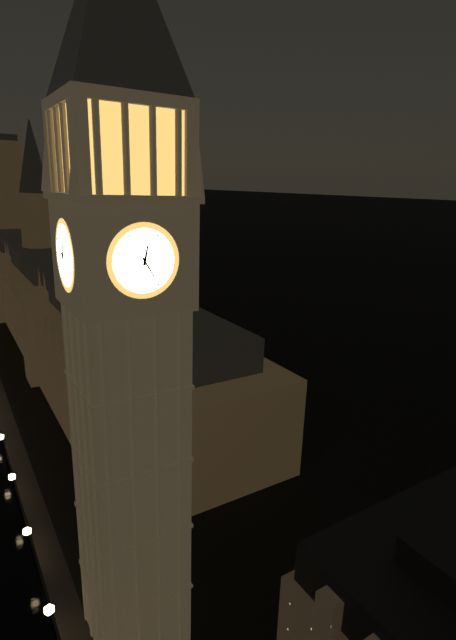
12:25
